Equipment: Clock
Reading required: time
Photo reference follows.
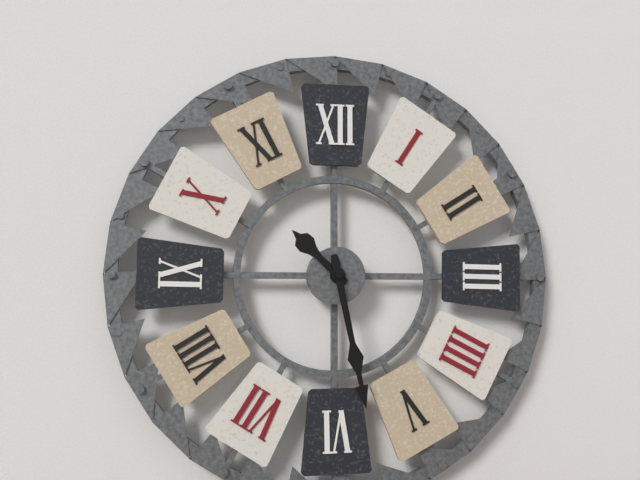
10:28
